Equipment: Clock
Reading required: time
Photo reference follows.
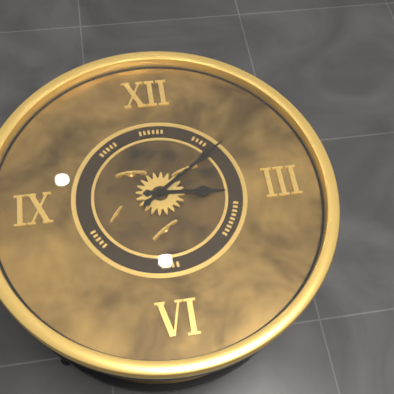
3:09
